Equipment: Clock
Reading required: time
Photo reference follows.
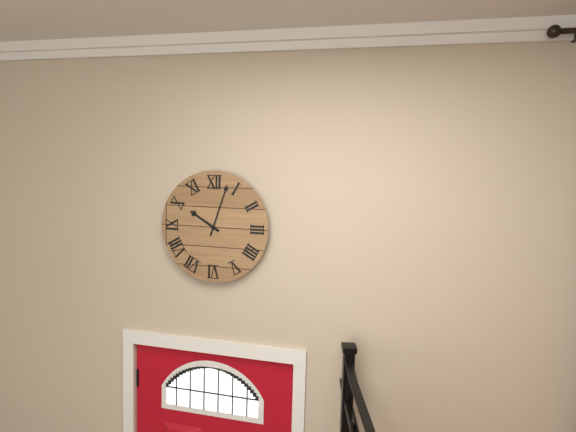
10:03
